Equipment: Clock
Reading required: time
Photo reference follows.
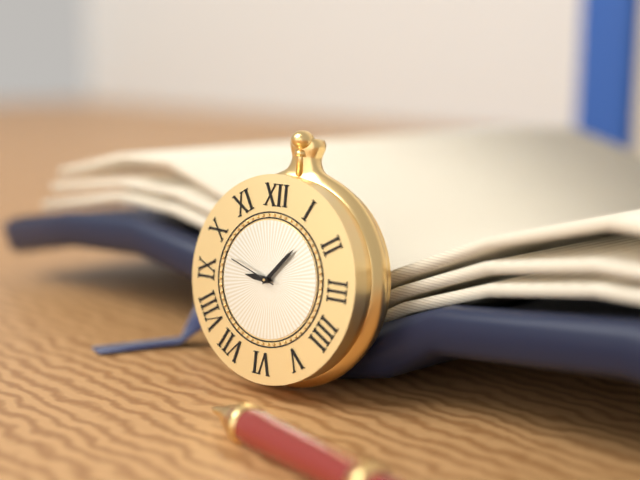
9:07:48
